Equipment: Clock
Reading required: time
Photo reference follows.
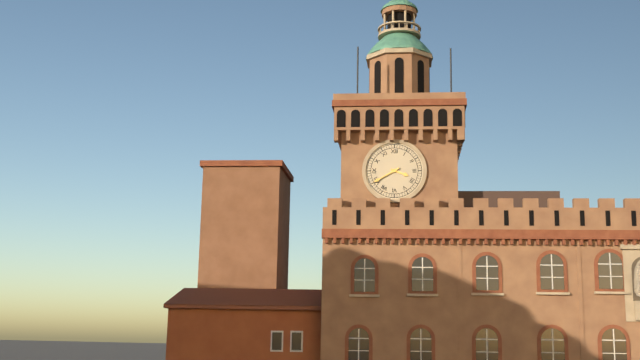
3:40
